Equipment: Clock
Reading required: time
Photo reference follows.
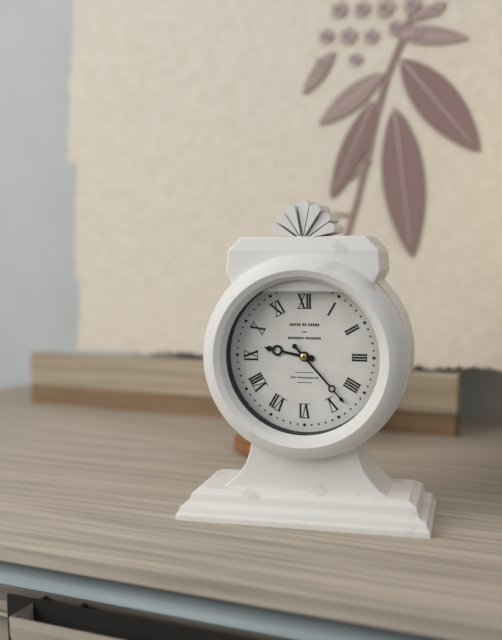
9:23
